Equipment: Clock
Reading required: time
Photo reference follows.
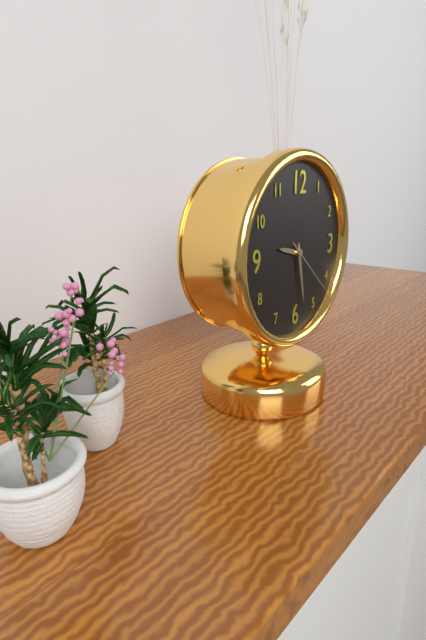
9:28:22
